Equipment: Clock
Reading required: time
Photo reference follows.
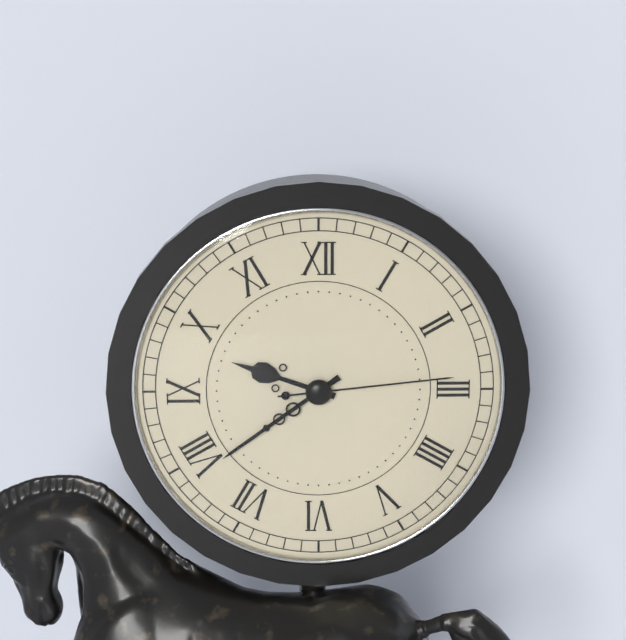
9:39:14
